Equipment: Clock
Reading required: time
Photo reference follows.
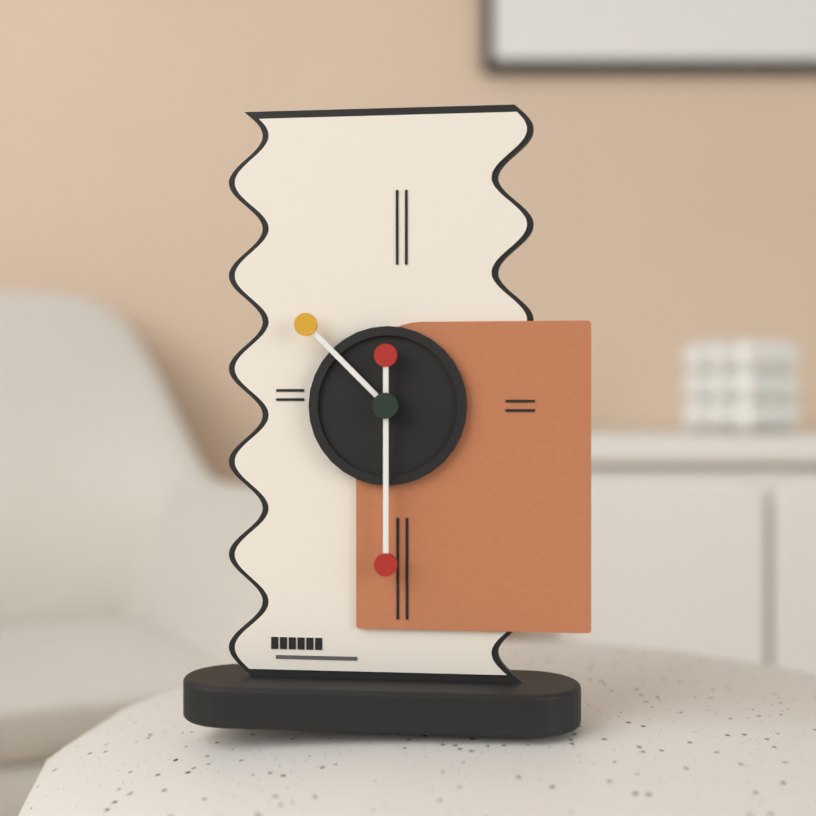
10:30
